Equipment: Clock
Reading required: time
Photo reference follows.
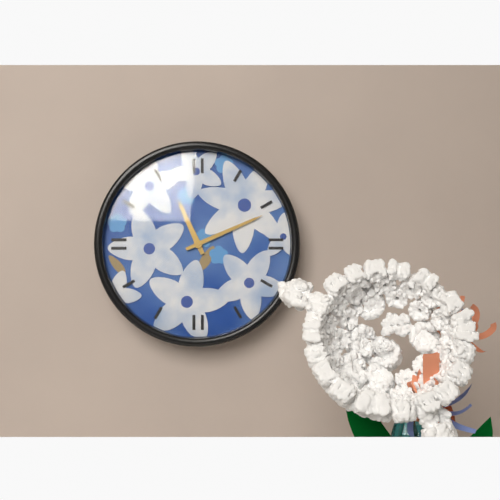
11:11
